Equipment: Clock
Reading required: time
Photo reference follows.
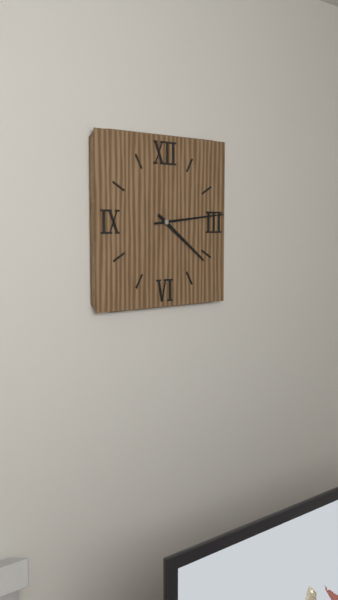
4:14
